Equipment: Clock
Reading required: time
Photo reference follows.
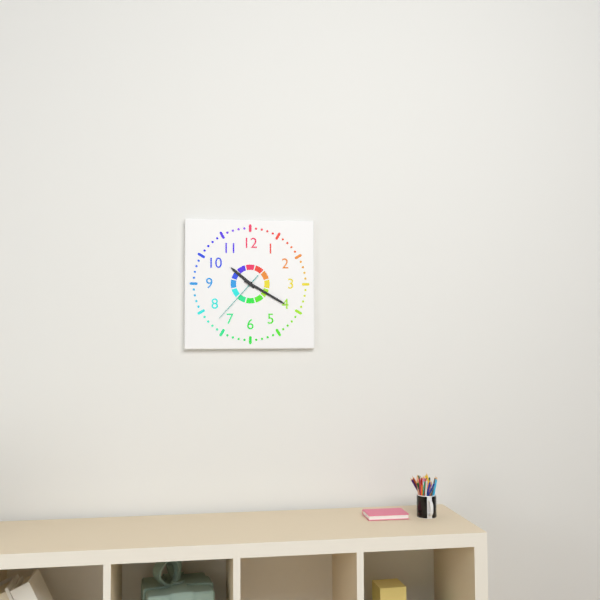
10:20:37
